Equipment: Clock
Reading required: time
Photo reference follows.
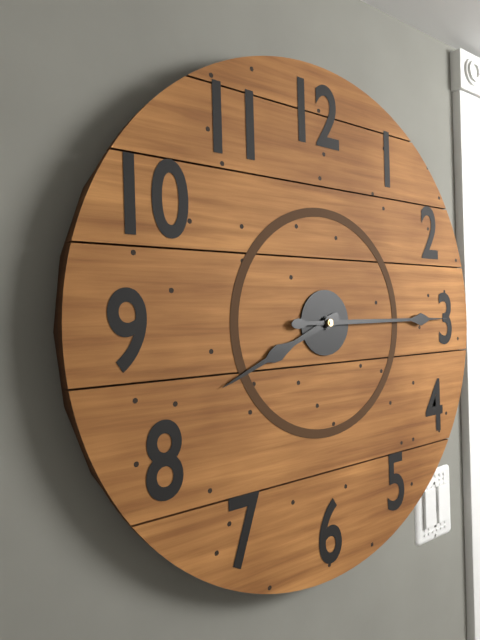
8:15
